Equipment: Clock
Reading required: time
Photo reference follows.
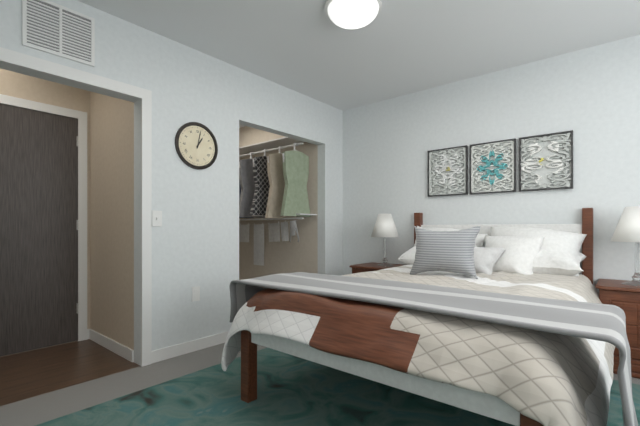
1:02
